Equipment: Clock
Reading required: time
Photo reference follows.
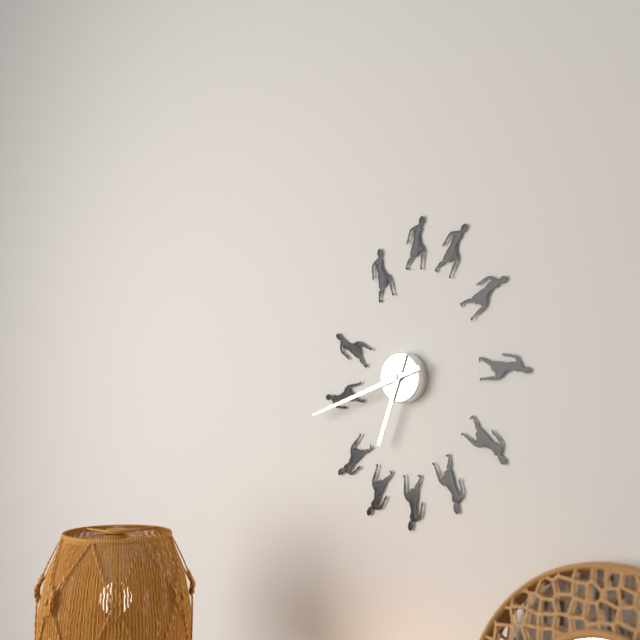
6:42
